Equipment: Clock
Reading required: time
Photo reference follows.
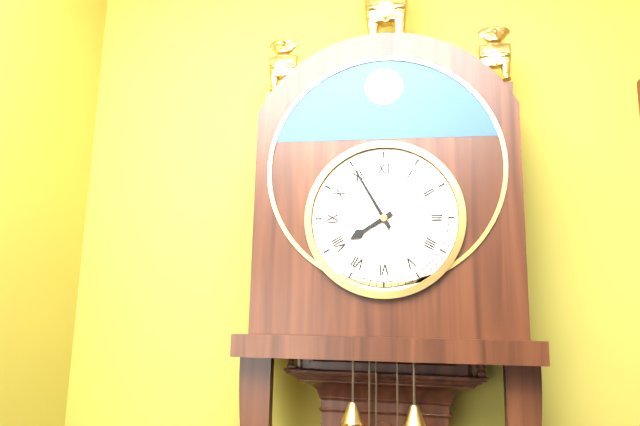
7:55
